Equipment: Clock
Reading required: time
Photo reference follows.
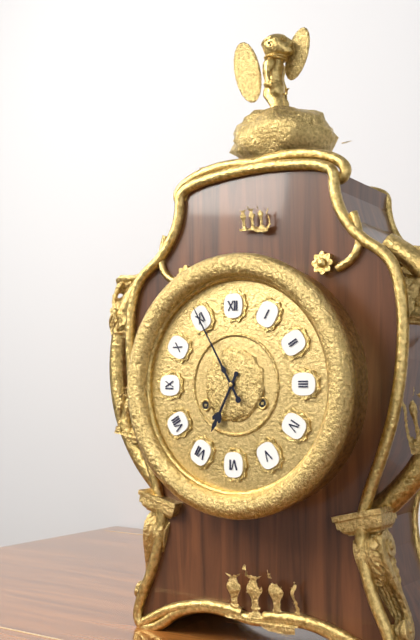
6:55
